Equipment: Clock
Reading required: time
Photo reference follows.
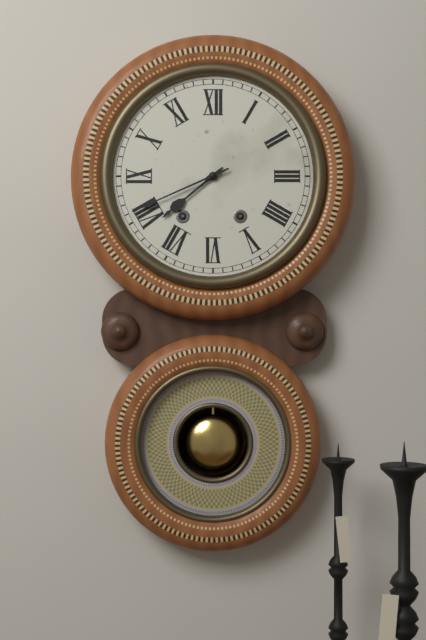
7:41
